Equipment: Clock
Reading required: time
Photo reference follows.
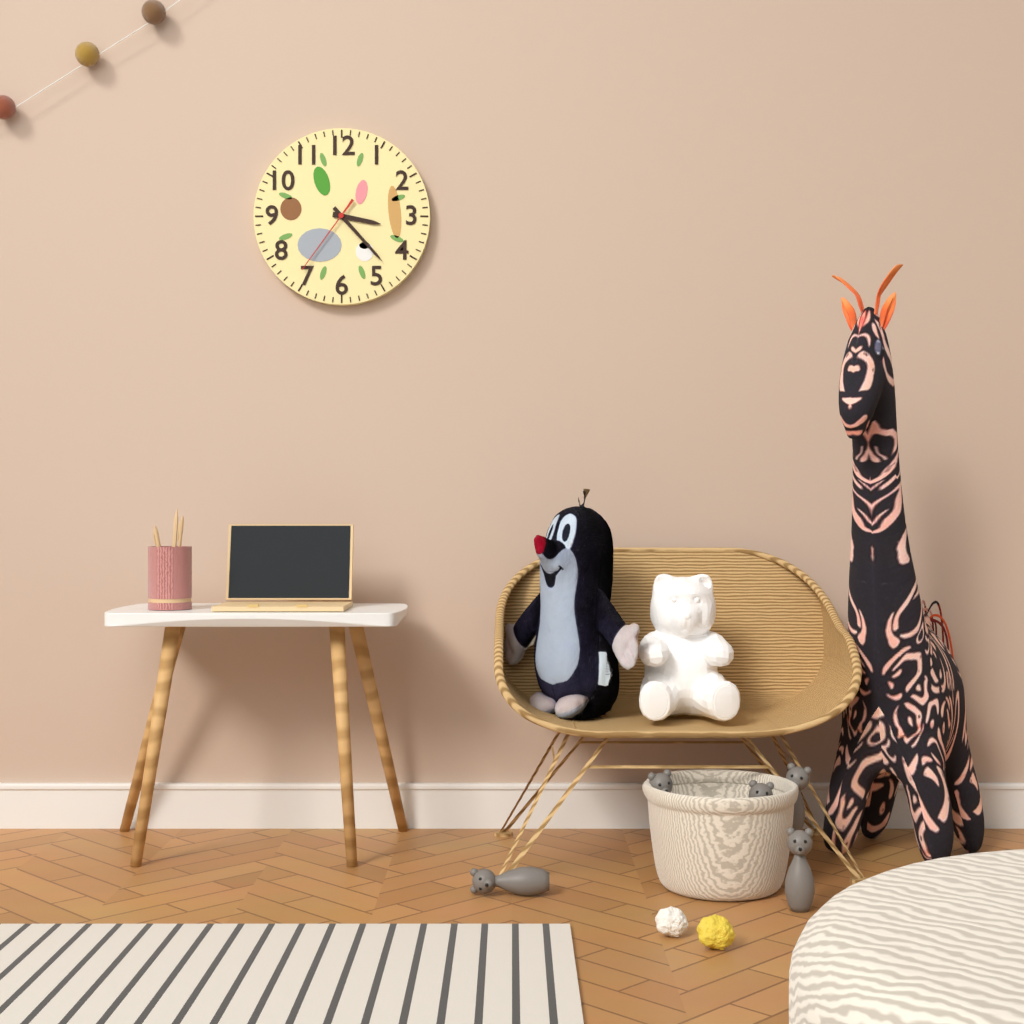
3:23:36
